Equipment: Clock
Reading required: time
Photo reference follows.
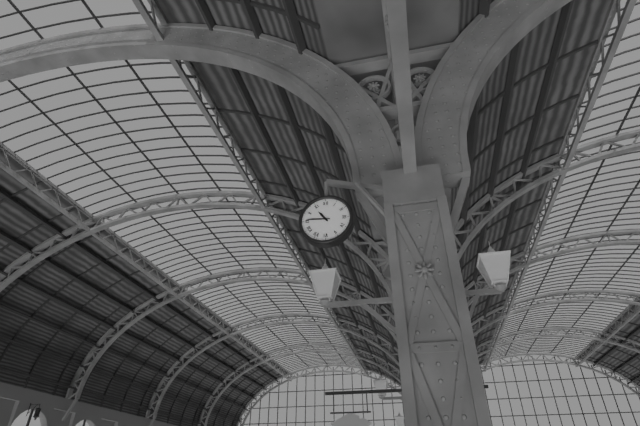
10:46
